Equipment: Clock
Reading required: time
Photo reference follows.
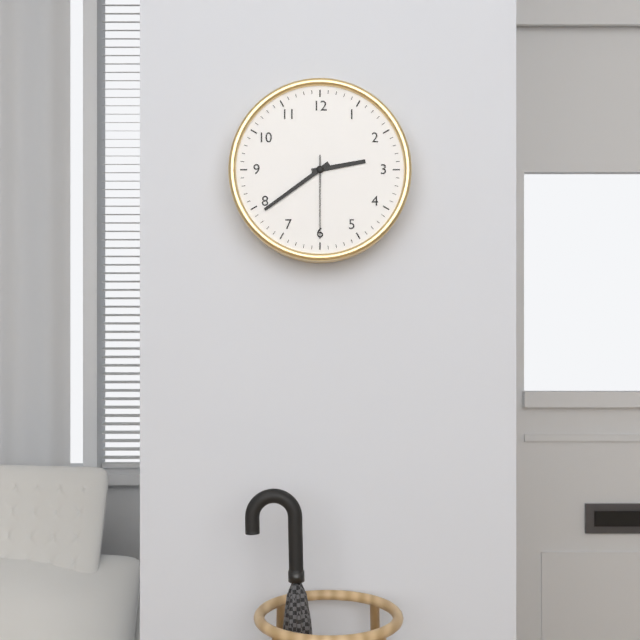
2:39:30
